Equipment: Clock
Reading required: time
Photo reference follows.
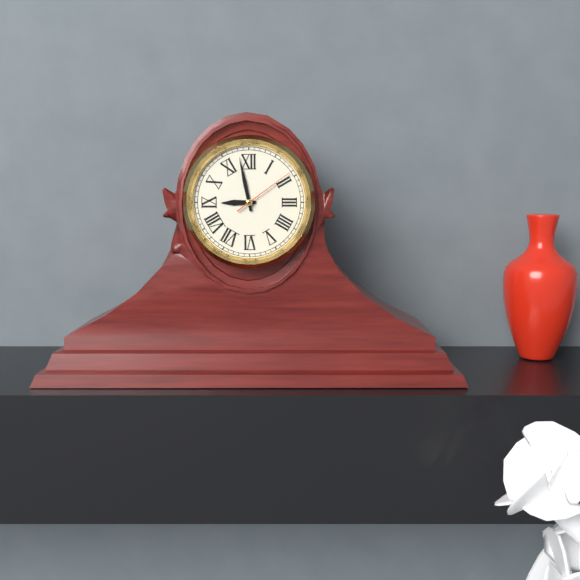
8:58:09
